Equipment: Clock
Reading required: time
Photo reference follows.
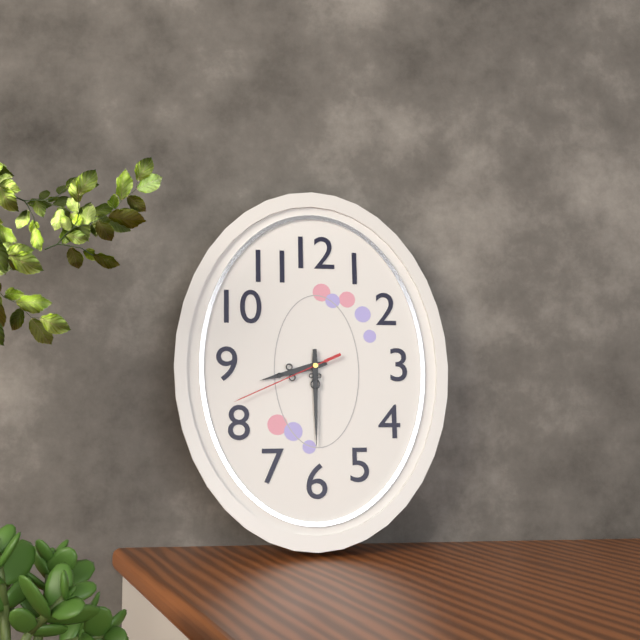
8:30:41
